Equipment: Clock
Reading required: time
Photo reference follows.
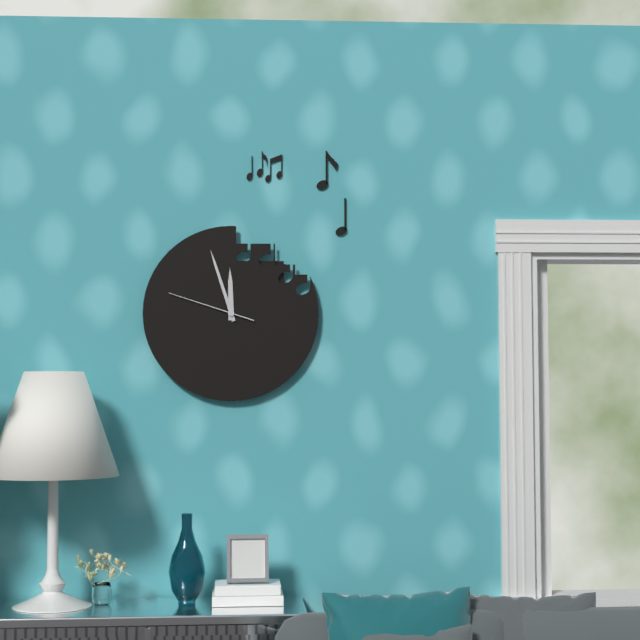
11:57:48
